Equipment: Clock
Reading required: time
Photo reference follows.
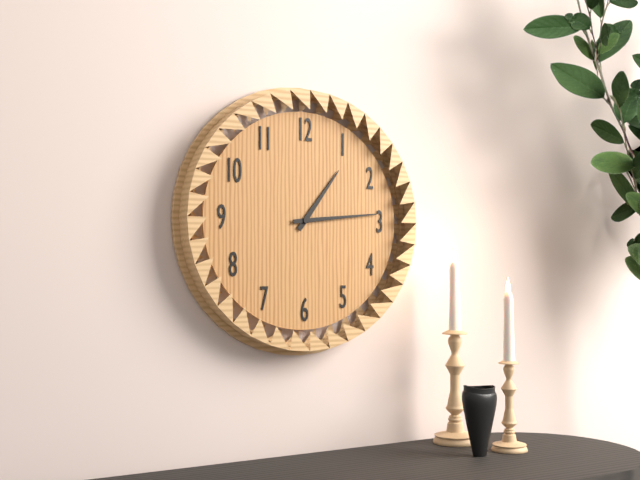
1:14
